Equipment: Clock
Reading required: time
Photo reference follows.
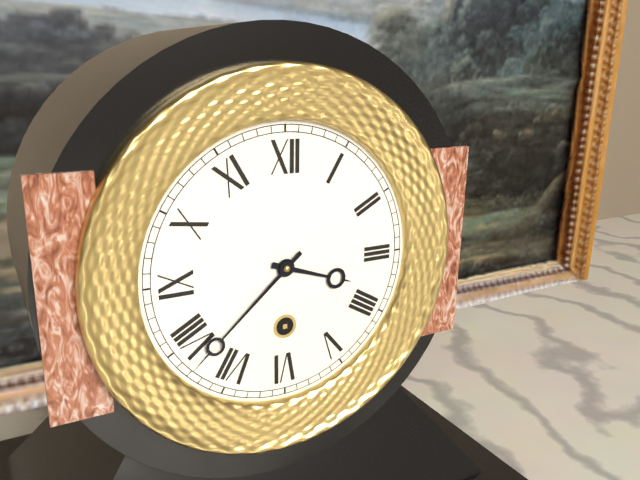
3:38
